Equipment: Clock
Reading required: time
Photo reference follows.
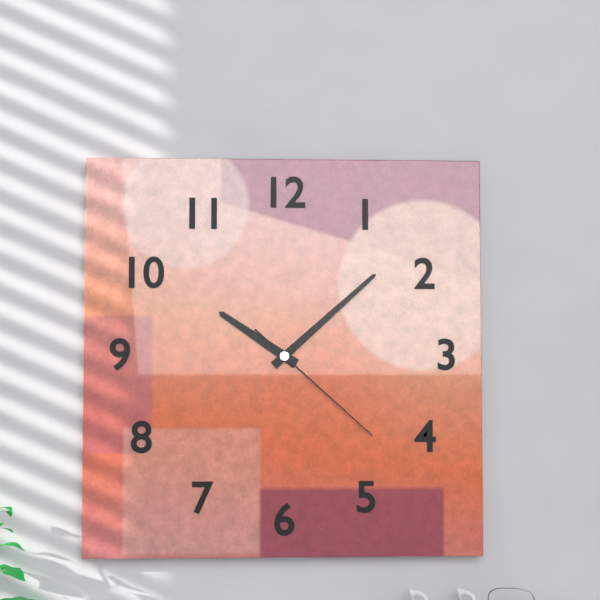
10:08:22
